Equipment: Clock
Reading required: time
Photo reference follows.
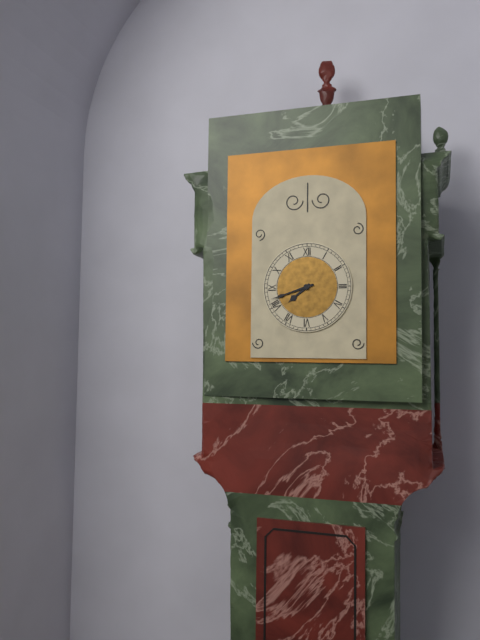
7:42
